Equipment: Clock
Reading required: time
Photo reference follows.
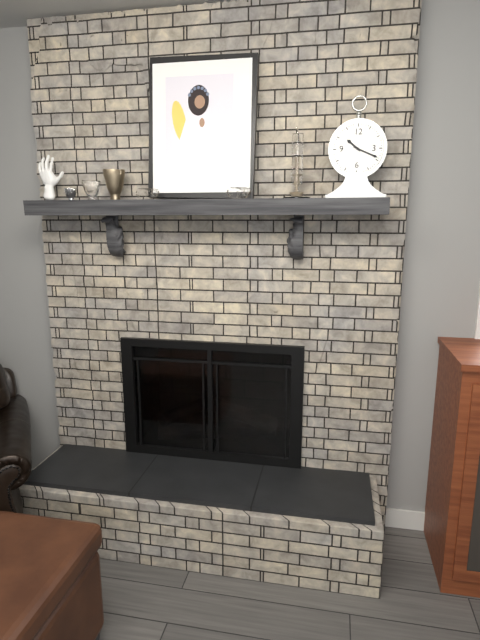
10:19
